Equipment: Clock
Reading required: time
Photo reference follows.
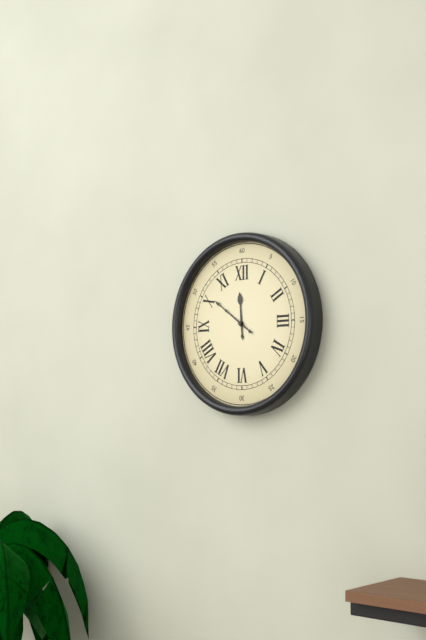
11:51
